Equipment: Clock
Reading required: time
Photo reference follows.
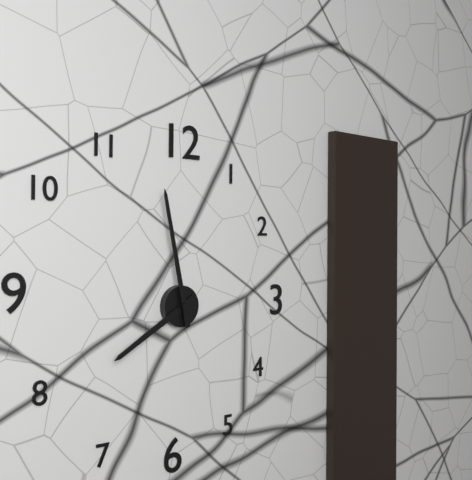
7:58
